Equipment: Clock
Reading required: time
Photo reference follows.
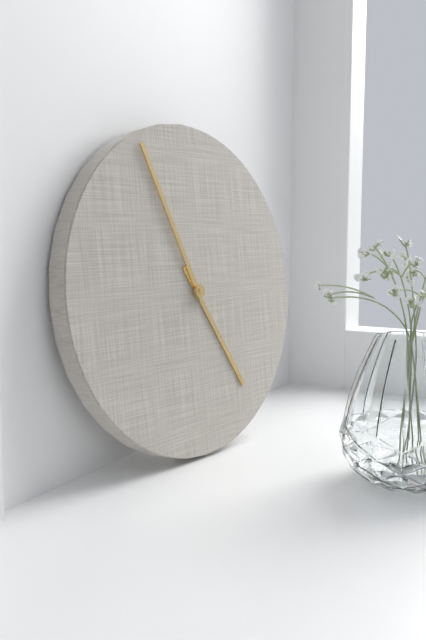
4:56
